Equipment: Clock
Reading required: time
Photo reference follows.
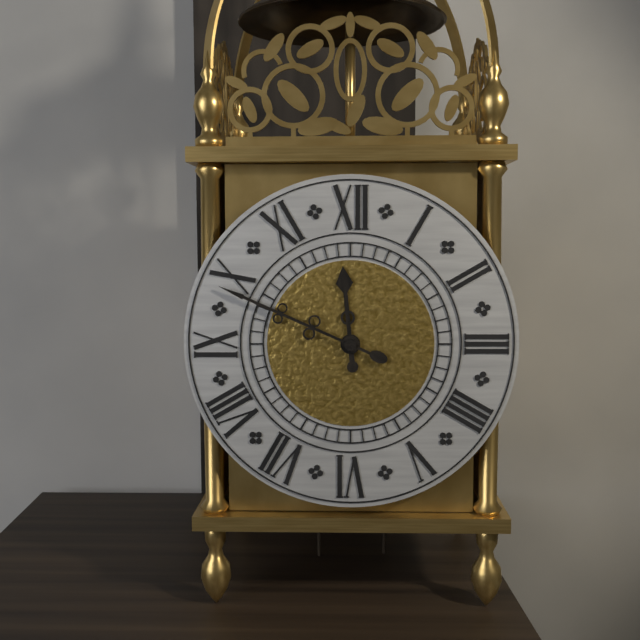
11:49
